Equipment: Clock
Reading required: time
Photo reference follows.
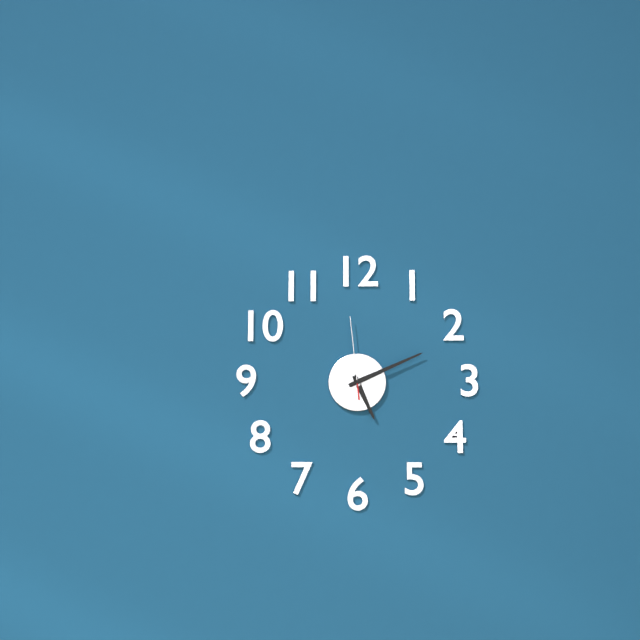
5:11:59
